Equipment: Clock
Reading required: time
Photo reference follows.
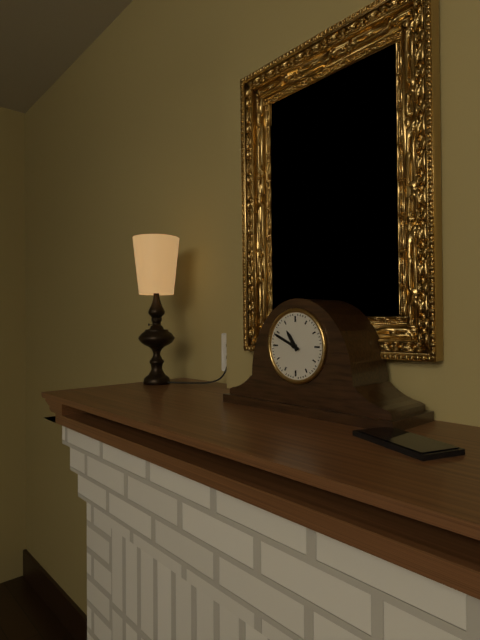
10:49
